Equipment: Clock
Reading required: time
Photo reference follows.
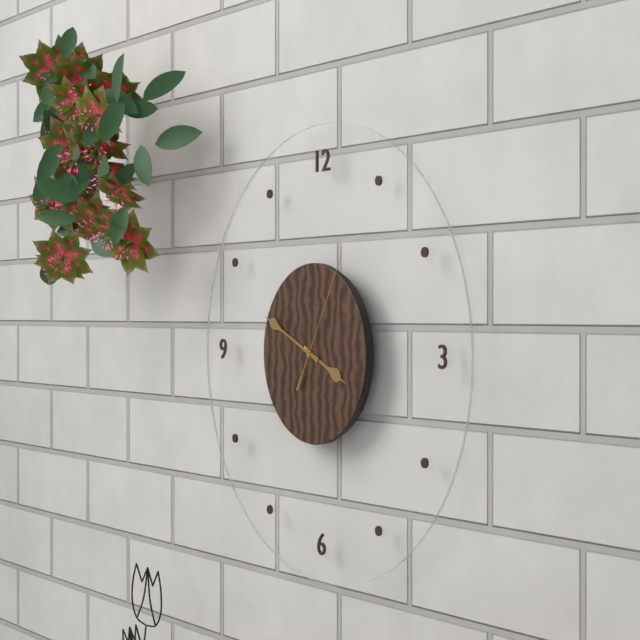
3:49:05
